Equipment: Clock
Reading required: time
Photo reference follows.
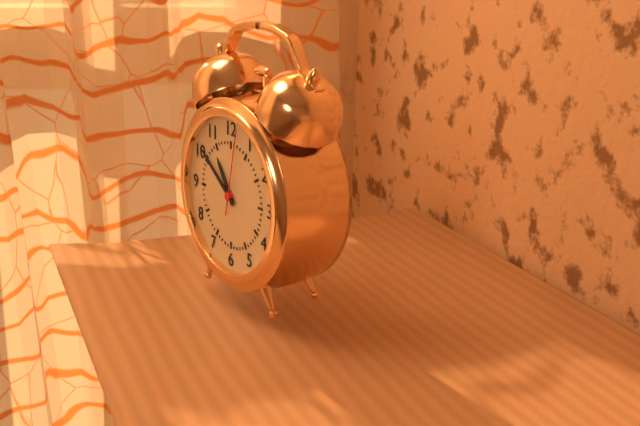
10:51:02
